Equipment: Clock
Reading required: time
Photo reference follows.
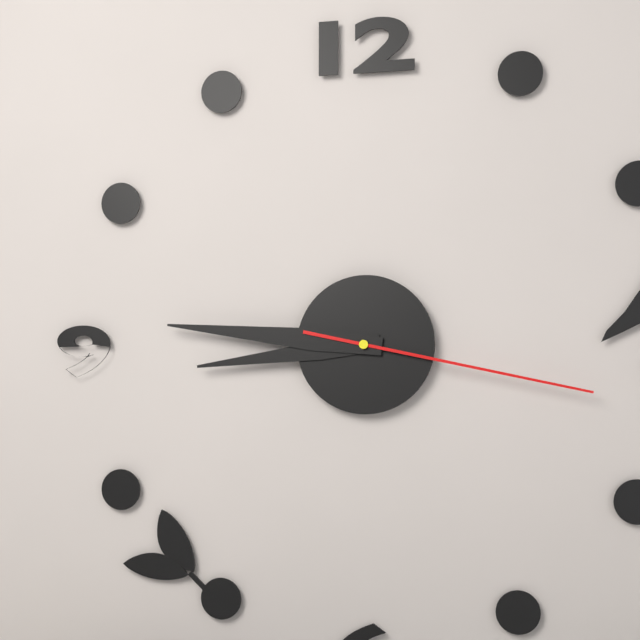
8:46:17
